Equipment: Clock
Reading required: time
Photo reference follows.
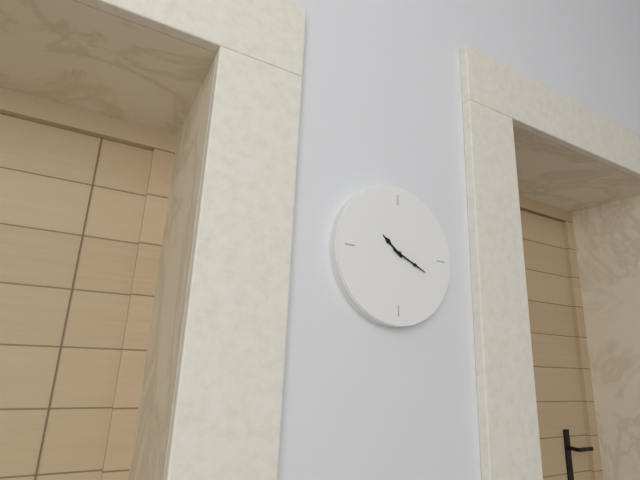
10:19
